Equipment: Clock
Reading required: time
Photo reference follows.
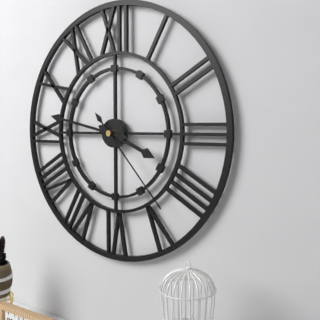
3:47:23
